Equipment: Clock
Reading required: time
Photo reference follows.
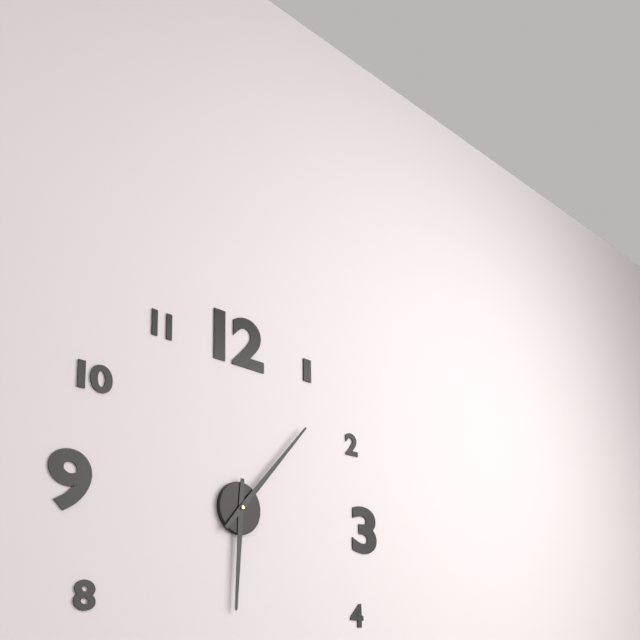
6:07
